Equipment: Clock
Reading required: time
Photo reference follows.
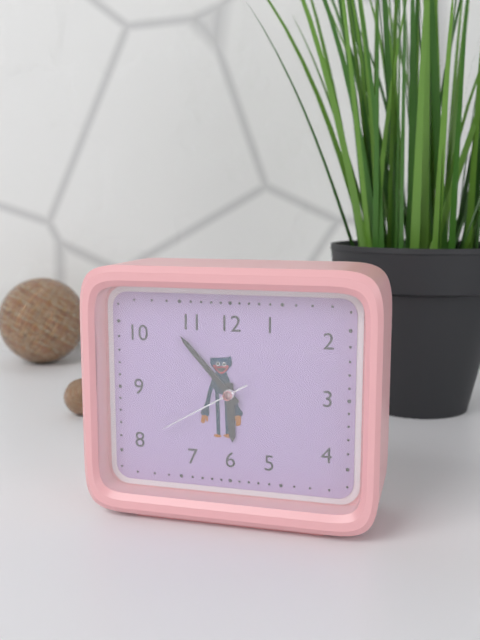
5:53:40
